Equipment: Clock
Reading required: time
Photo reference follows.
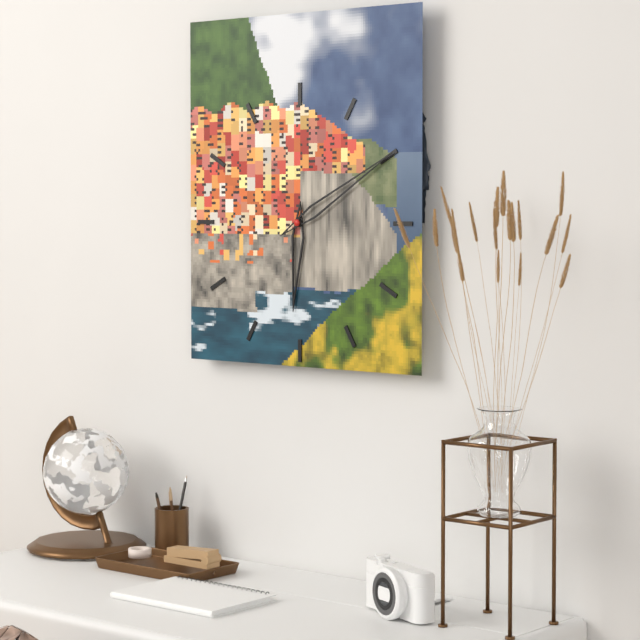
6:10
